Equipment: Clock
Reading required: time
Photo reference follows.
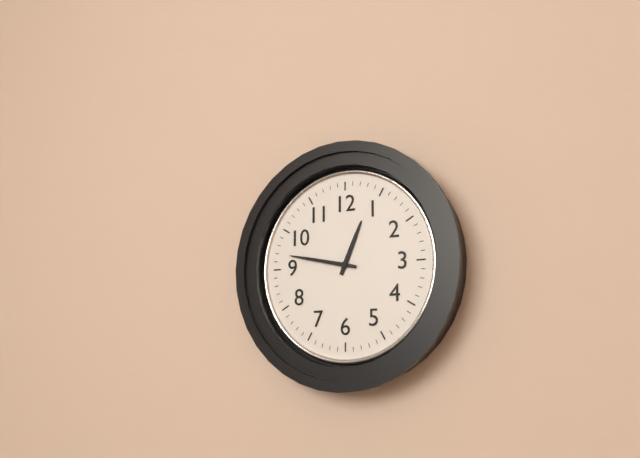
12:47
